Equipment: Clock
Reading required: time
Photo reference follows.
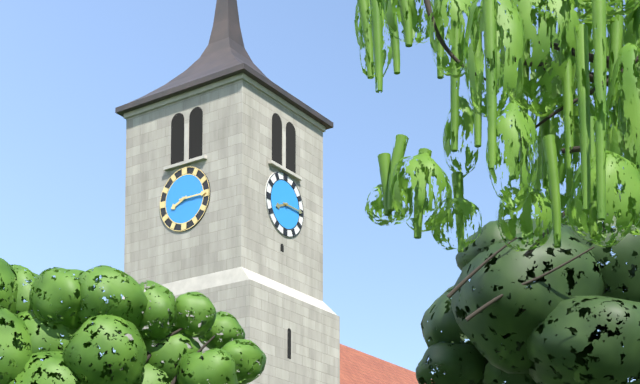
8:15
